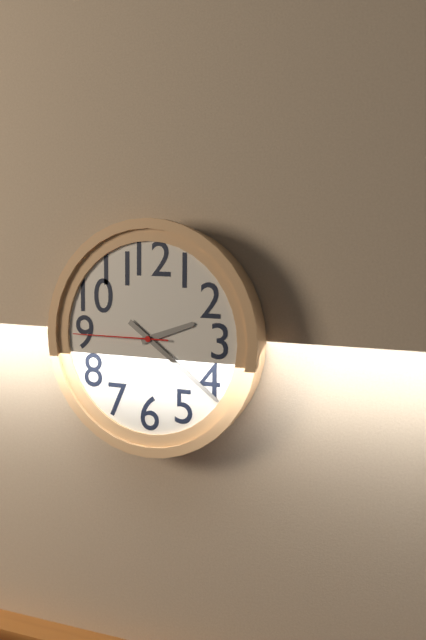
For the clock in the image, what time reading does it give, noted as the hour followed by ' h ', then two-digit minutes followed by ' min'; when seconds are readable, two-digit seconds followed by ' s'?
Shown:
2 h 21 min 45 s
